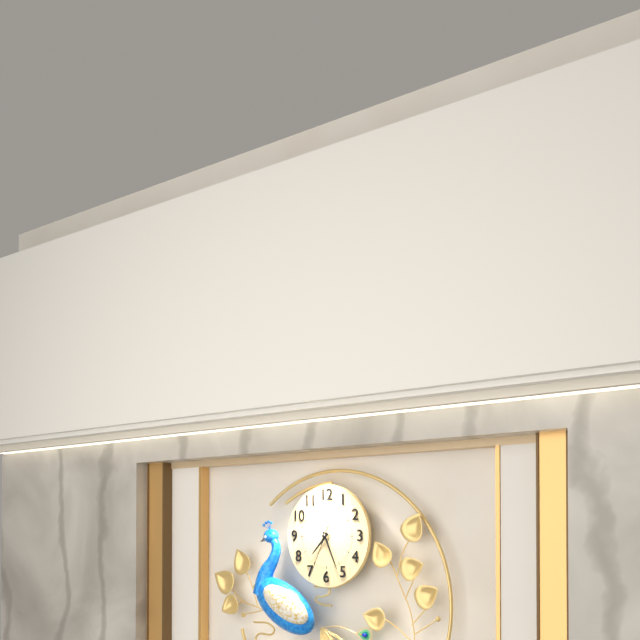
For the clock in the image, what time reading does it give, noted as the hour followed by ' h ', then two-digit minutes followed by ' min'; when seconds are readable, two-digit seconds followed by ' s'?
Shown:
7 h 26 min
